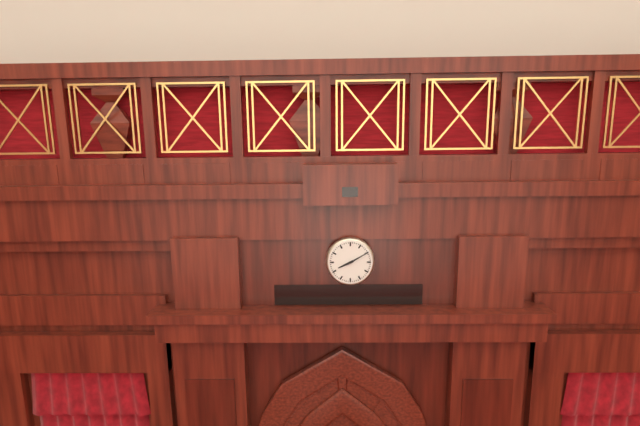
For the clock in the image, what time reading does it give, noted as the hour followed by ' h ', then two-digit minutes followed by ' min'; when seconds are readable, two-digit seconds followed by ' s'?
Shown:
8 h 10 min
